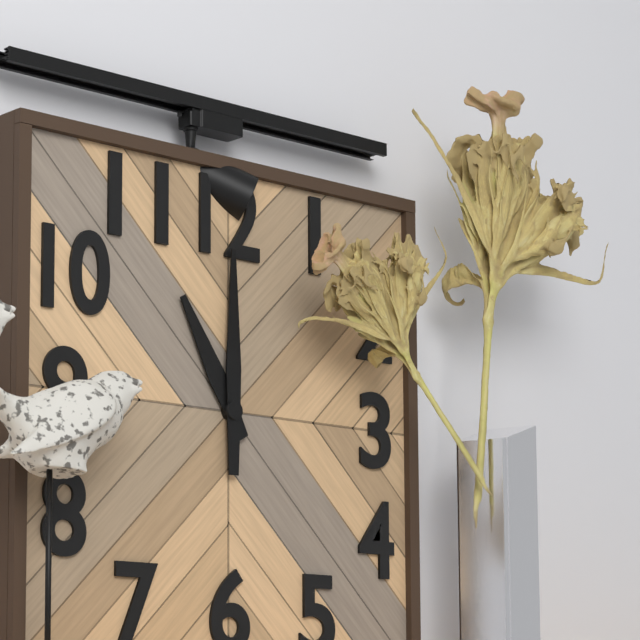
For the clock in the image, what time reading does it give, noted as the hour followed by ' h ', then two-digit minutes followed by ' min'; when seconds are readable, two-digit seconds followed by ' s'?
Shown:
11 h 00 min
